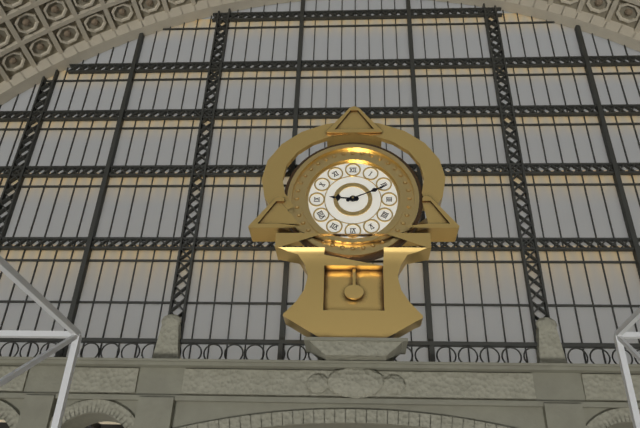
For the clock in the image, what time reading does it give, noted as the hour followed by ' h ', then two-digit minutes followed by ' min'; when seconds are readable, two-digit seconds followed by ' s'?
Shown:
9 h 11 min
